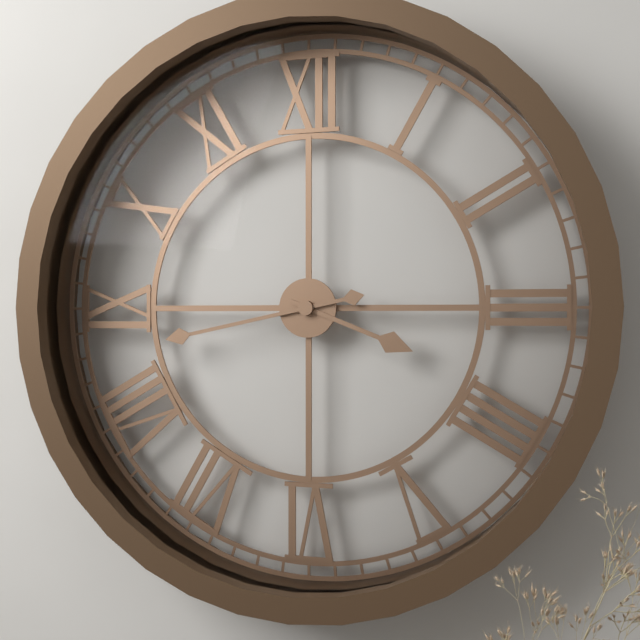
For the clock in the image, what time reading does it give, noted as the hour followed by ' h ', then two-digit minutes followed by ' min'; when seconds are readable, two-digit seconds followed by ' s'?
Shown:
3 h 43 min
